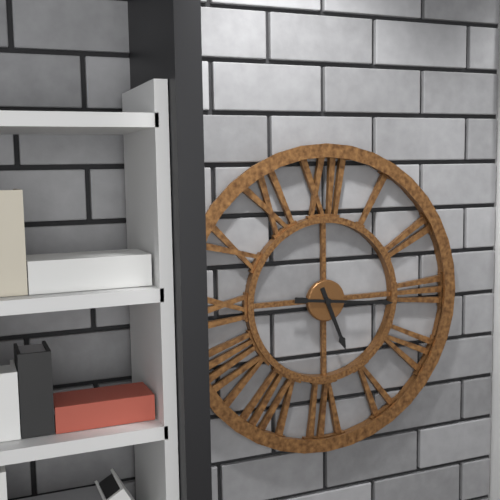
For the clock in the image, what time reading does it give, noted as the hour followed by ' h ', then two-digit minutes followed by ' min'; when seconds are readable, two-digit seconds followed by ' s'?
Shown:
5 h 16 min
